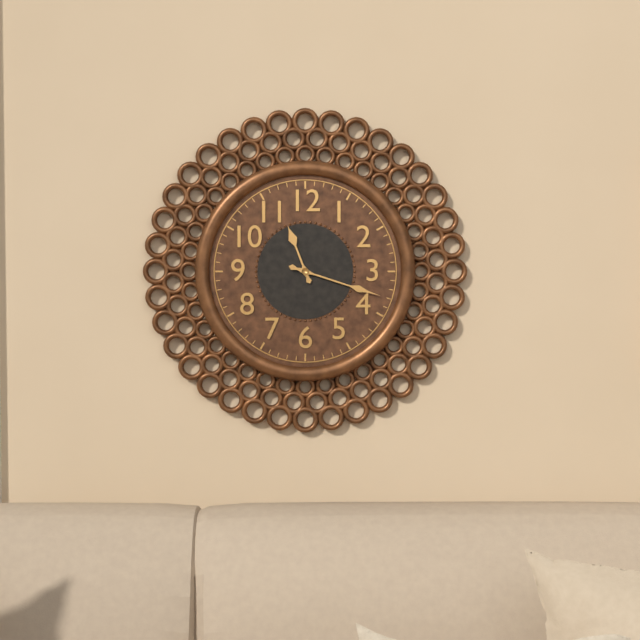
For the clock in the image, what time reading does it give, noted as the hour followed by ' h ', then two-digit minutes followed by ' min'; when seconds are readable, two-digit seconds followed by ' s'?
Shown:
11 h 18 min
